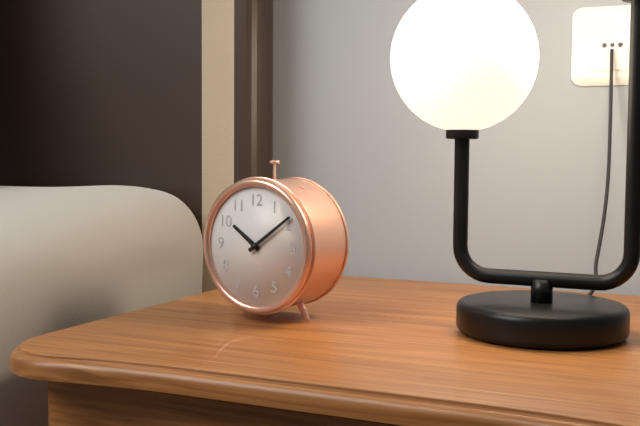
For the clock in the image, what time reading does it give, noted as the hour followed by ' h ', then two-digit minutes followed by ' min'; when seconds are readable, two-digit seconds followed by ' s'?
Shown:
10 h 09 min
